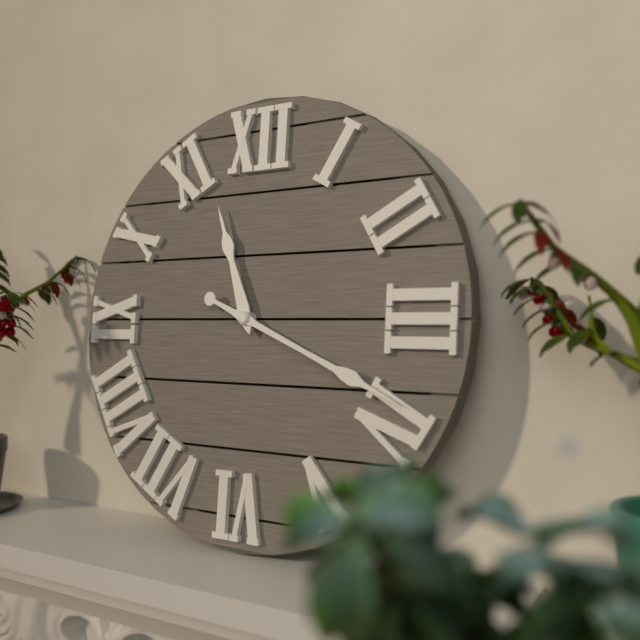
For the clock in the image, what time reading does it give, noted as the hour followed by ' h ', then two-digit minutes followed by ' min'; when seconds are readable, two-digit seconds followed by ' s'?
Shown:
11 h 19 min
